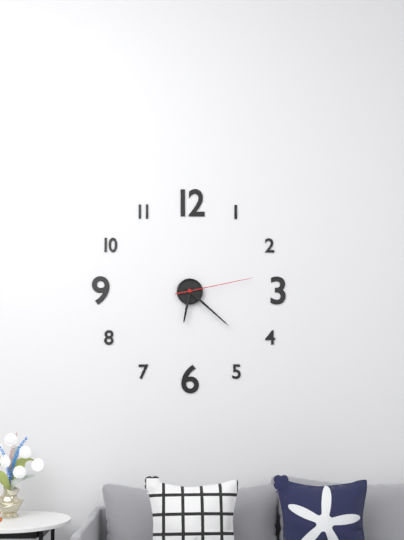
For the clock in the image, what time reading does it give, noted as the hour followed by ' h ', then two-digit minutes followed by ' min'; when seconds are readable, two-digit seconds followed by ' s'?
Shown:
6 h 22 min 13 s
